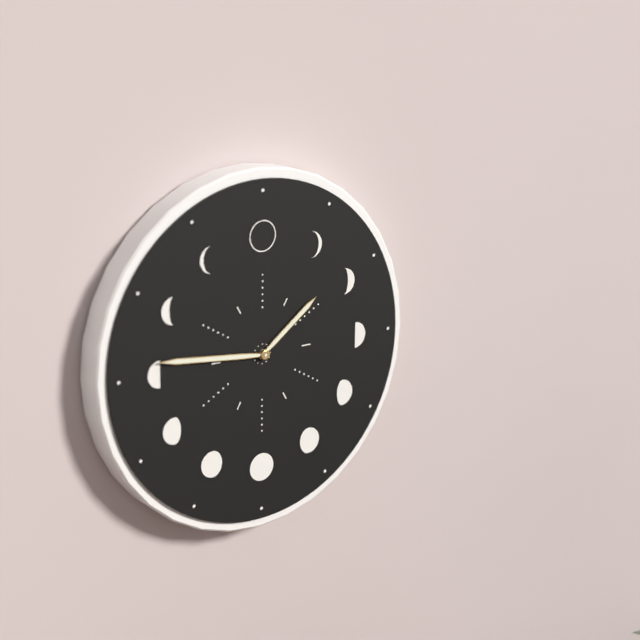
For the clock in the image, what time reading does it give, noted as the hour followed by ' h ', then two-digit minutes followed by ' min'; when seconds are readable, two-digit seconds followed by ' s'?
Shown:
1 h 46 min
